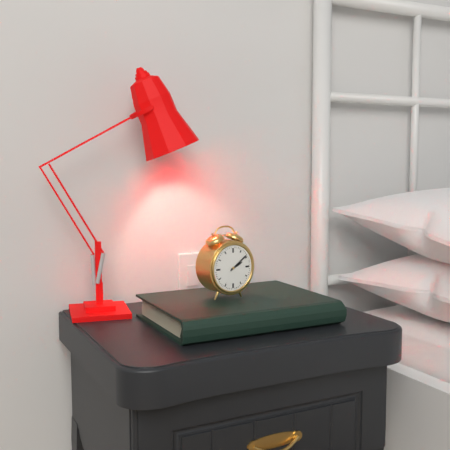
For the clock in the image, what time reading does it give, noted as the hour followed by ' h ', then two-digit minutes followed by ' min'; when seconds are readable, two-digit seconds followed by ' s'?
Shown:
2 h 09 min
